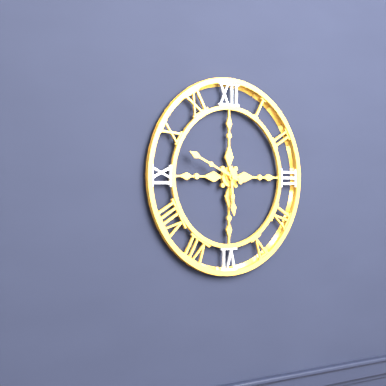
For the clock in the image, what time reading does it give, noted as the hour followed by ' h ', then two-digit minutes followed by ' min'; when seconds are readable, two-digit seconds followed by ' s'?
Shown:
5 h 49 min
